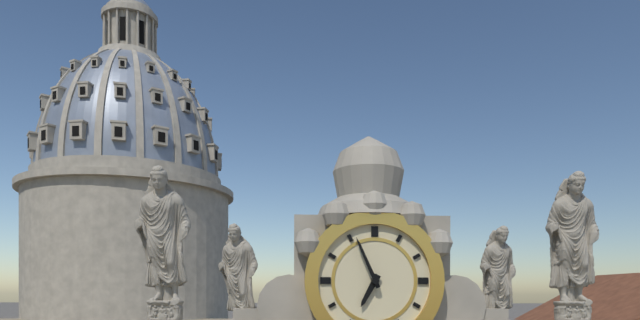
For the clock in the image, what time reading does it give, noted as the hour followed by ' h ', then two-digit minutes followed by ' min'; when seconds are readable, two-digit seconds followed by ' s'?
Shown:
6 h 56 min
